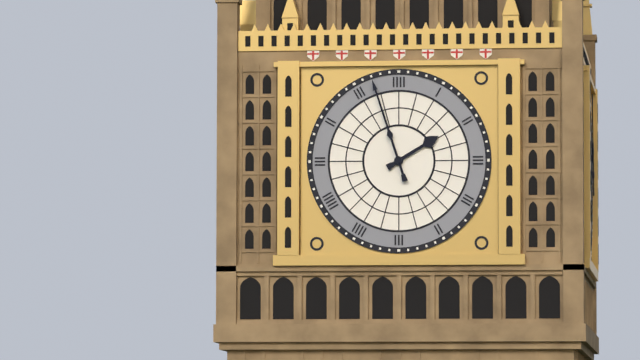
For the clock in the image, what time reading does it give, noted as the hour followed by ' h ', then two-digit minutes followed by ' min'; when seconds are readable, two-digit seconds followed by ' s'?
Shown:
1 h 57 min
